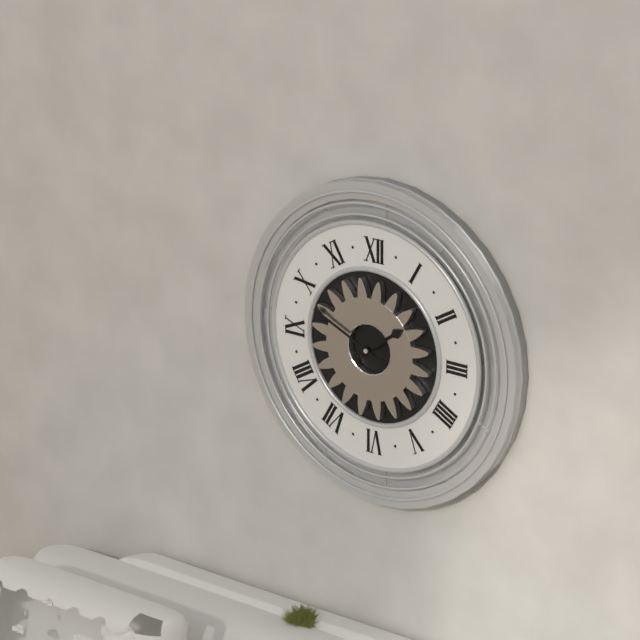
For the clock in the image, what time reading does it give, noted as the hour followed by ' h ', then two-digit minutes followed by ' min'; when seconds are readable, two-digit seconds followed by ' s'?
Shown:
1 h 49 min
